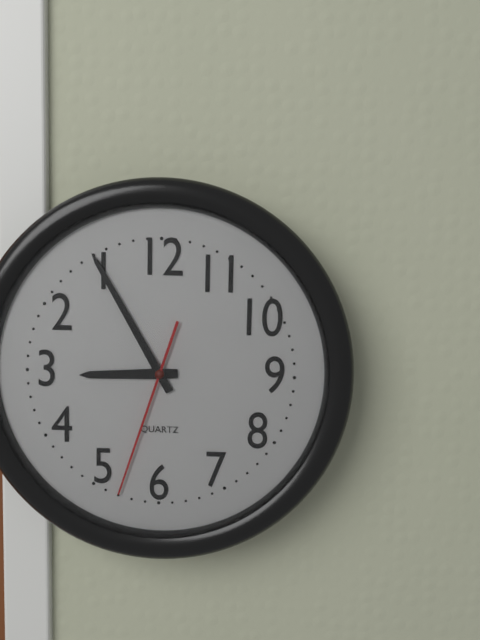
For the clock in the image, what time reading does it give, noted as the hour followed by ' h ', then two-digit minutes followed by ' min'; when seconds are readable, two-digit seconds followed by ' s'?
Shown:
8 h 55 min 33 s
